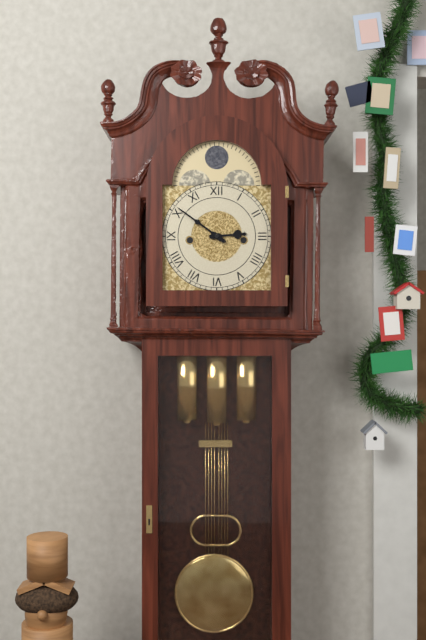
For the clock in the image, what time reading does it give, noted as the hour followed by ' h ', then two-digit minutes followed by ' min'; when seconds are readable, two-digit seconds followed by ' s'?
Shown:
2 h 51 min
